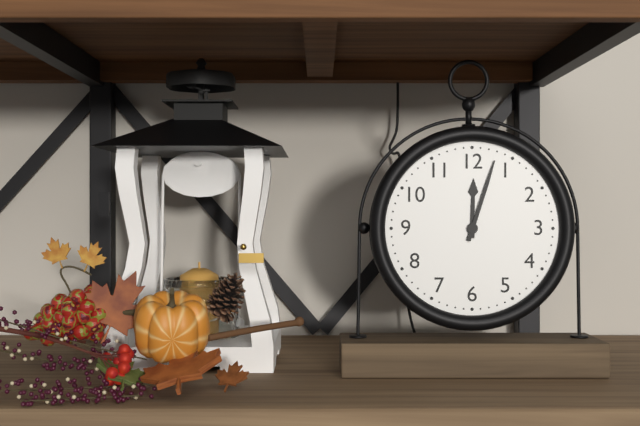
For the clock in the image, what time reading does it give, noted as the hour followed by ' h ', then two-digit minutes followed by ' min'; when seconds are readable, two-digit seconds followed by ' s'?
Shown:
12 h 03 min
